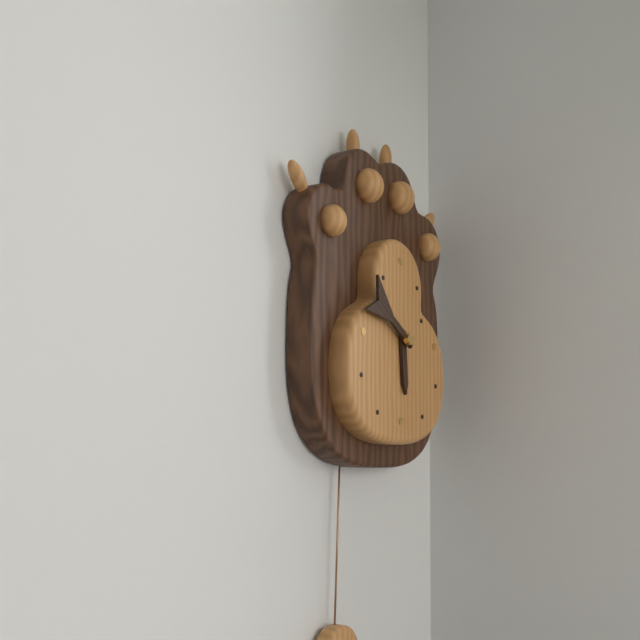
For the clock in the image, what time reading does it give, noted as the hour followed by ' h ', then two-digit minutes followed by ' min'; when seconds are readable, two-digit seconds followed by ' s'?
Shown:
5 h 50 min
